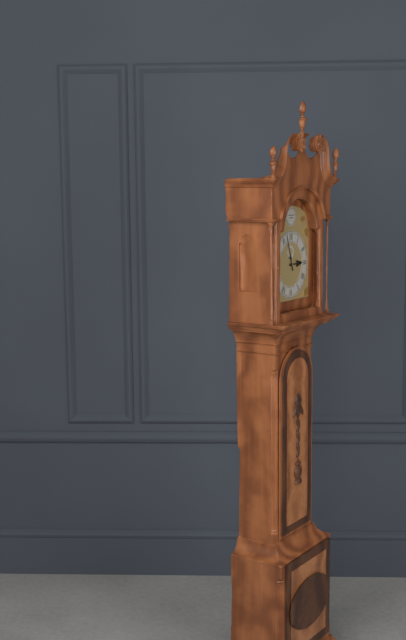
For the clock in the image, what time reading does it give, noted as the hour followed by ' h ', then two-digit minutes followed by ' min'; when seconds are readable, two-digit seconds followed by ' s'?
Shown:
2 h 57 min
